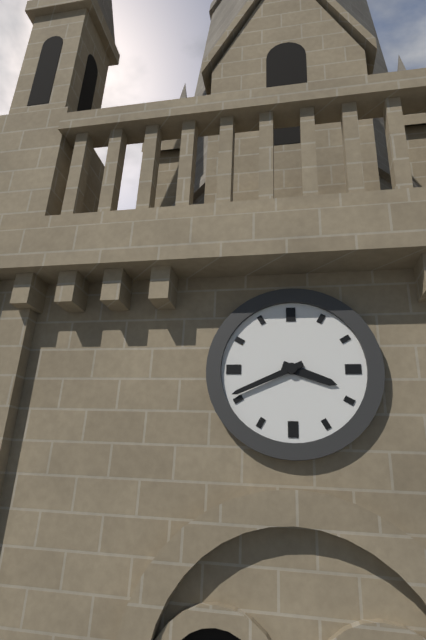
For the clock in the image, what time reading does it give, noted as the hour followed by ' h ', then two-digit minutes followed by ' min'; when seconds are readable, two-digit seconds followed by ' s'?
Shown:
3 h 41 min
